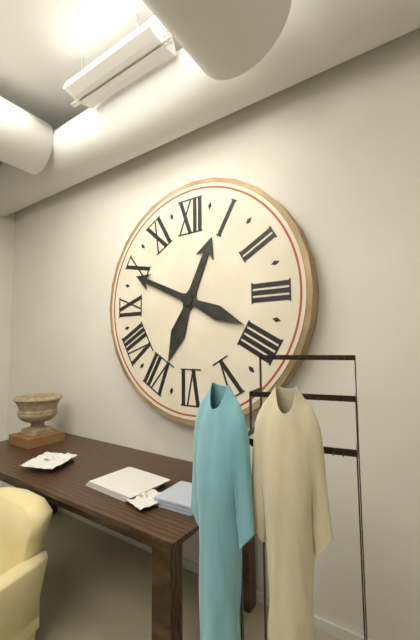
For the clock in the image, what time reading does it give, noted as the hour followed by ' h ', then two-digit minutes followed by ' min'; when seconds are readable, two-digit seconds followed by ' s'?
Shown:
12 h 49 min
